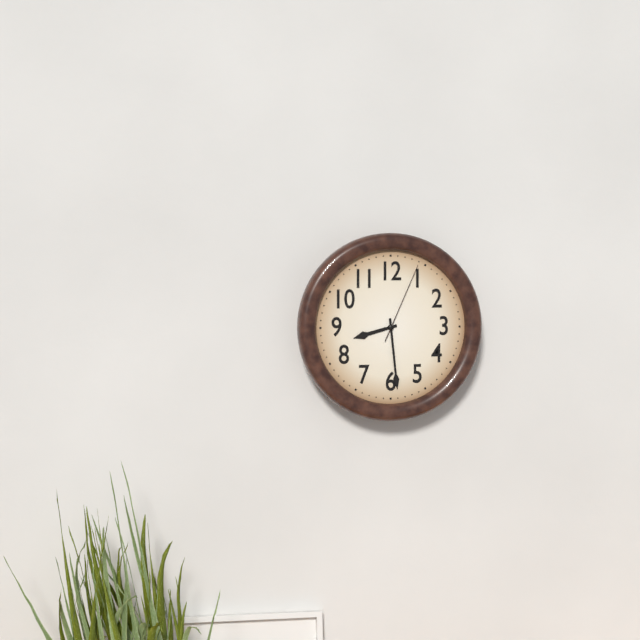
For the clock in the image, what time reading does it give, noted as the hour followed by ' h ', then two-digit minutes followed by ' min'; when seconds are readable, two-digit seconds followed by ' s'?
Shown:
8 h 29 min 04 s
